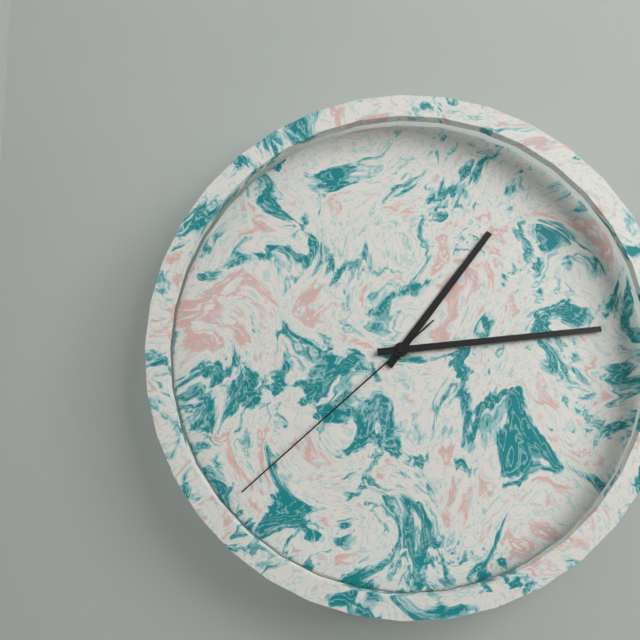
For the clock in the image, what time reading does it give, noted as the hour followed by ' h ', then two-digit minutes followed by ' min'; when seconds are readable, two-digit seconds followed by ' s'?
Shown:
1 h 14 min 38 s
